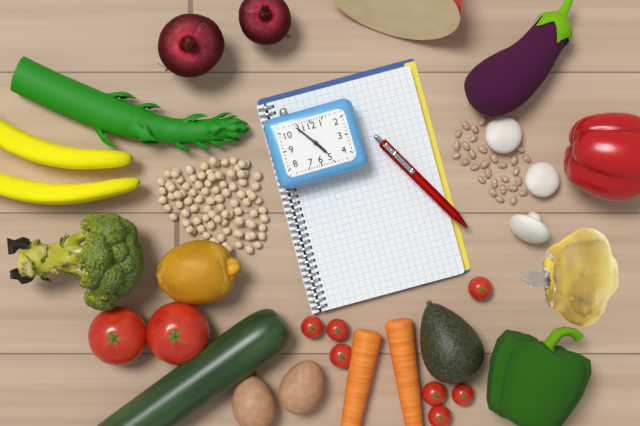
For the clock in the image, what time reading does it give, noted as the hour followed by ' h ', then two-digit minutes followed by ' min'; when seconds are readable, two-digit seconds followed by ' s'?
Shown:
4 h 54 min
